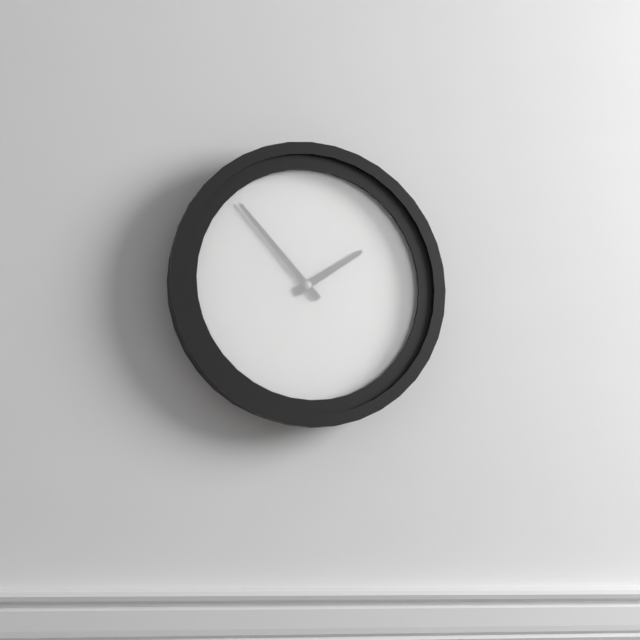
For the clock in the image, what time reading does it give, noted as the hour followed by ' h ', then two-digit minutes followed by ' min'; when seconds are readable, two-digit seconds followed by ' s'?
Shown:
1 h 53 min
